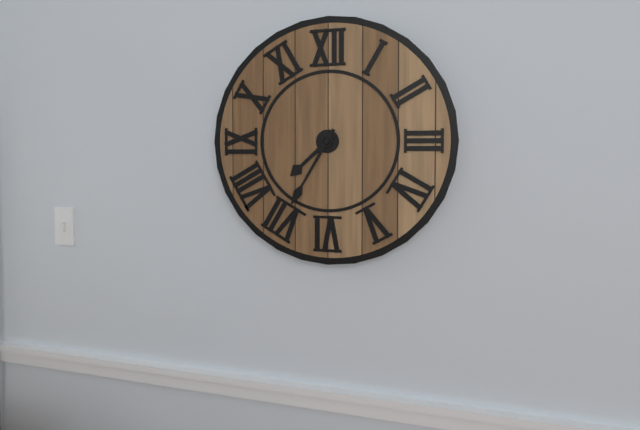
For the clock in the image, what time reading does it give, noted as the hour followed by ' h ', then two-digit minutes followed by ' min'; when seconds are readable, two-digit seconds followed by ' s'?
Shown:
7 h 35 min
